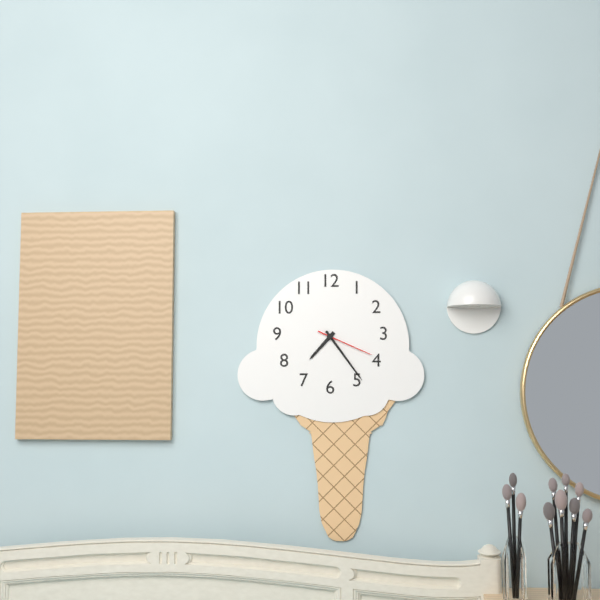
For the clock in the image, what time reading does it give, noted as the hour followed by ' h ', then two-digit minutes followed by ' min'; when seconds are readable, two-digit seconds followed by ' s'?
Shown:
7 h 24 min 19 s
